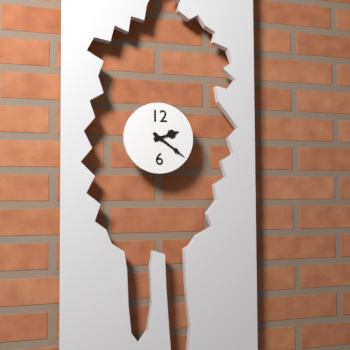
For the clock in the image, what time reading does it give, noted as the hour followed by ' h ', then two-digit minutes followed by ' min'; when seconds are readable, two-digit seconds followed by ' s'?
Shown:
2 h 21 min
